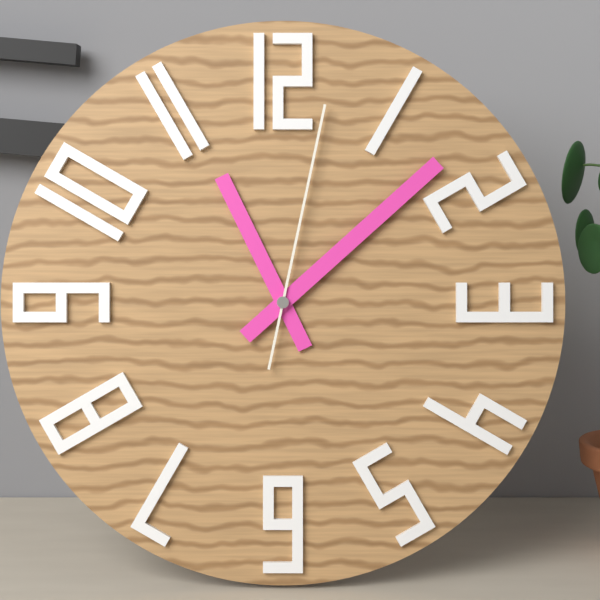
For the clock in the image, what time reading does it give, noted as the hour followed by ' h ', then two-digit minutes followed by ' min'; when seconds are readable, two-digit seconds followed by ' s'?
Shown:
11 h 08 min 02 s
